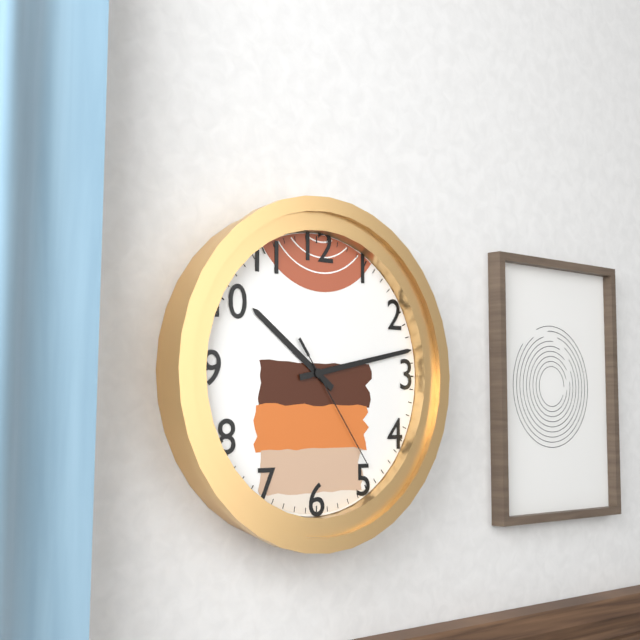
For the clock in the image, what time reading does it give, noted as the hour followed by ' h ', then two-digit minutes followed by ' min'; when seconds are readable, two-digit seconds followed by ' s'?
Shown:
10 h 13 min 24 s
